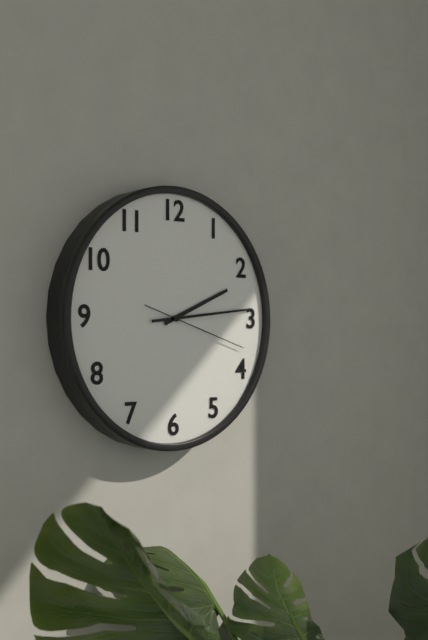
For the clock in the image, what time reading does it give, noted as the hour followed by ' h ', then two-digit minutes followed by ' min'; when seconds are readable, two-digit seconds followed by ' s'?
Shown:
2 h 14 min 18 s
